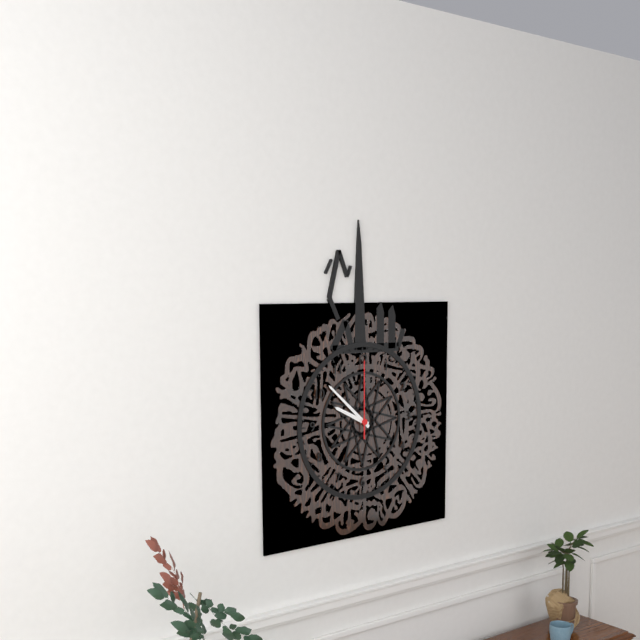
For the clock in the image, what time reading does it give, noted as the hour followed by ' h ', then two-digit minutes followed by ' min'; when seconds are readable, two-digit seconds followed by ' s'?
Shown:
9 h 52 min 00 s
